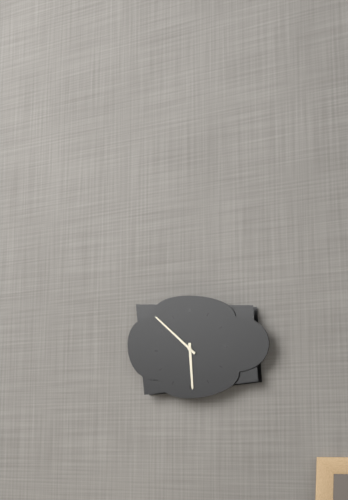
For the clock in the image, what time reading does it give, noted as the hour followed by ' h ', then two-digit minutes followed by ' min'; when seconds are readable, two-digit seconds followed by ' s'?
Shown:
5 h 52 min
